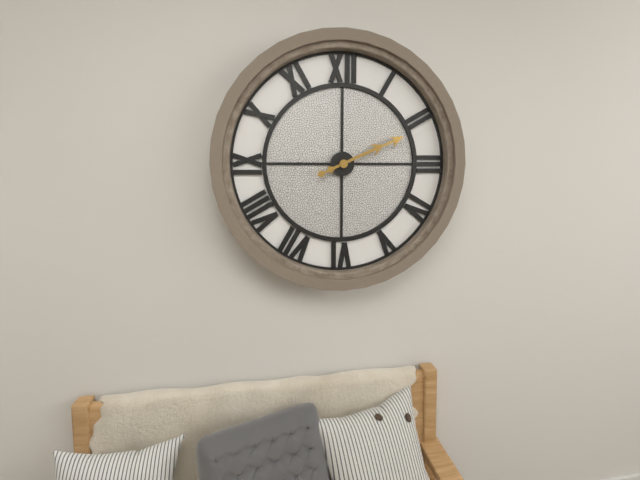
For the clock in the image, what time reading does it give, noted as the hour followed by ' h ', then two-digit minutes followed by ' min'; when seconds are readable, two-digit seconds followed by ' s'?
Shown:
2 h 11 min
